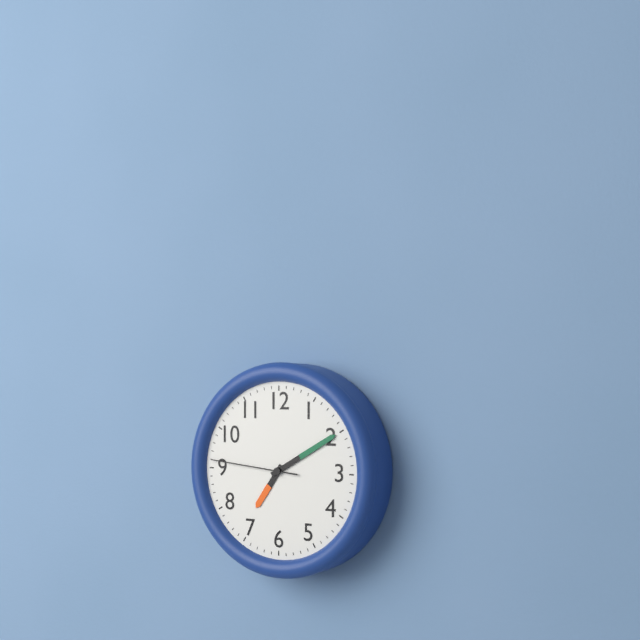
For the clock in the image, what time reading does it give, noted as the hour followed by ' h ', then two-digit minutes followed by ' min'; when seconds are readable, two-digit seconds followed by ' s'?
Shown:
7 h 10 min 46 s
